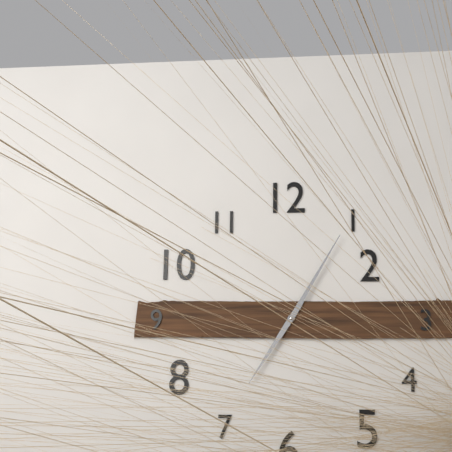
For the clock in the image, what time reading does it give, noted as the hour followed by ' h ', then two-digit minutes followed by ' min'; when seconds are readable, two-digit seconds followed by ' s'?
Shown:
7 h 05 min
